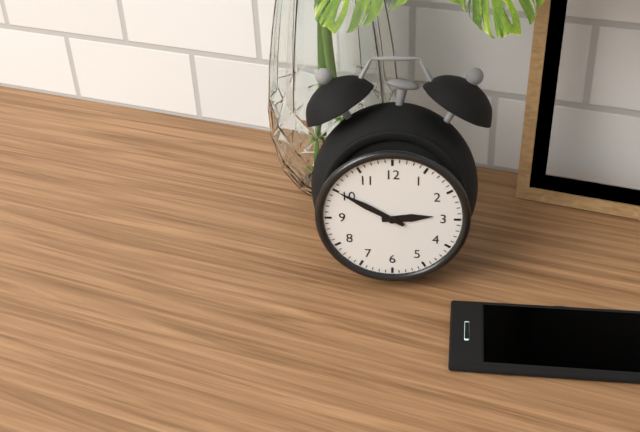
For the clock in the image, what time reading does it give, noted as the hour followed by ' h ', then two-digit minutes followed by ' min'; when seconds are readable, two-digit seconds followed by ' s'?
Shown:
2 h 50 min
